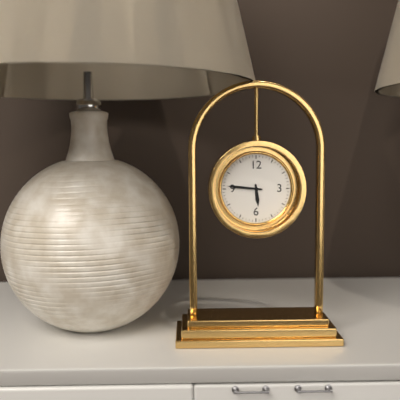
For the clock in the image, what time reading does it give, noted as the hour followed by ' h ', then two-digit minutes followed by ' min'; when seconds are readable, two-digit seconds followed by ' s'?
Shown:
5 h 46 min
